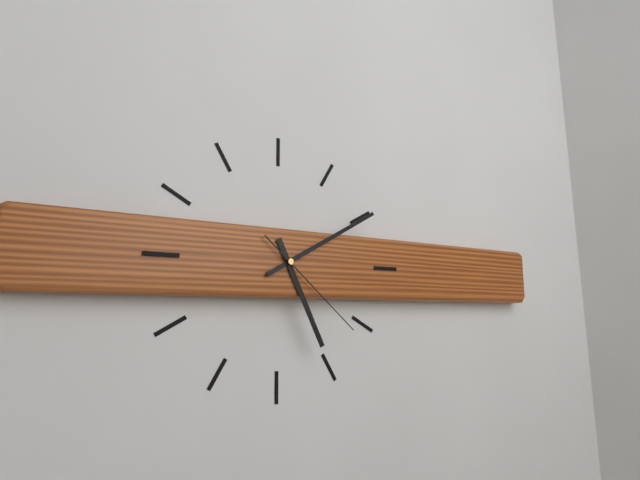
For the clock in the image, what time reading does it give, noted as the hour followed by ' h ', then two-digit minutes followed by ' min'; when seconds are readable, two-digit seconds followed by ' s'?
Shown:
5 h 10 min 22 s
